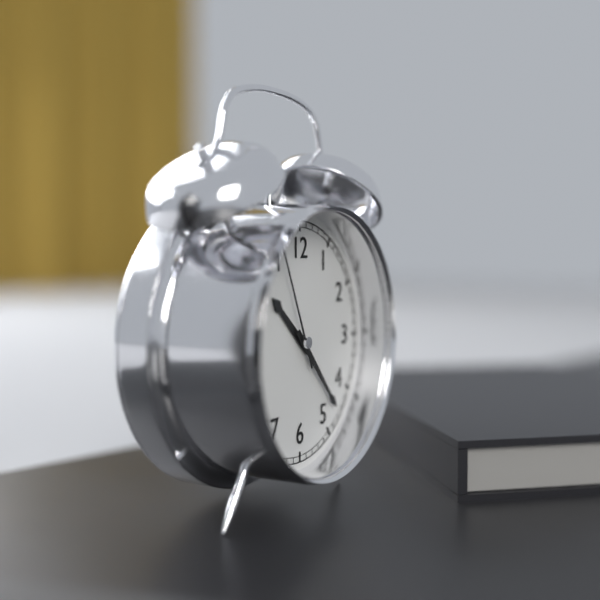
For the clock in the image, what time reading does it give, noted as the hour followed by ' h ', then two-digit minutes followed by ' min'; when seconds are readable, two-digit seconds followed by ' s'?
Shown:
10 h 23 min 56 s
